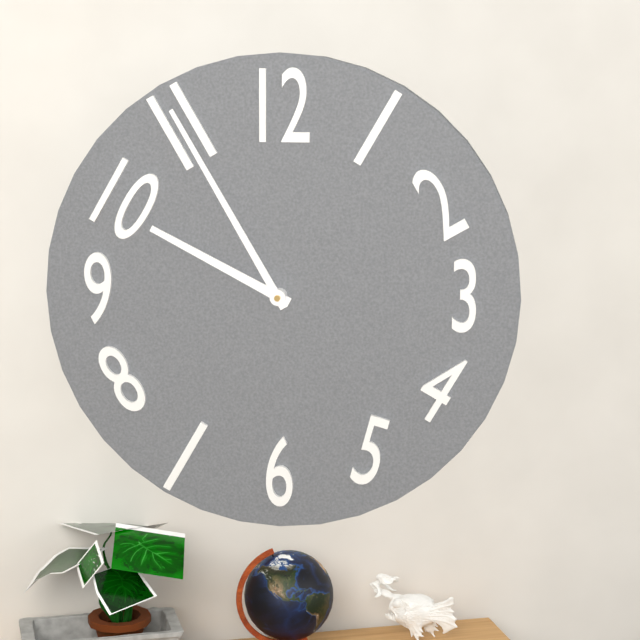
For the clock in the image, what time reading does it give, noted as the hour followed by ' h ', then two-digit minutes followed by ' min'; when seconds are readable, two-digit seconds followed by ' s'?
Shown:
9 h 55 min
